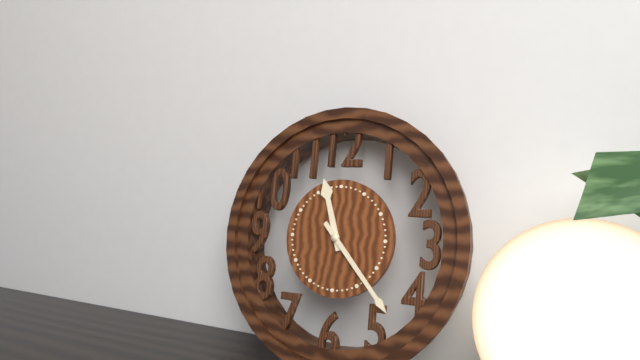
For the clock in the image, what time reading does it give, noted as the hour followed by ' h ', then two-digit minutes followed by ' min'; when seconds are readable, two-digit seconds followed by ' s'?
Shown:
11 h 23 min
